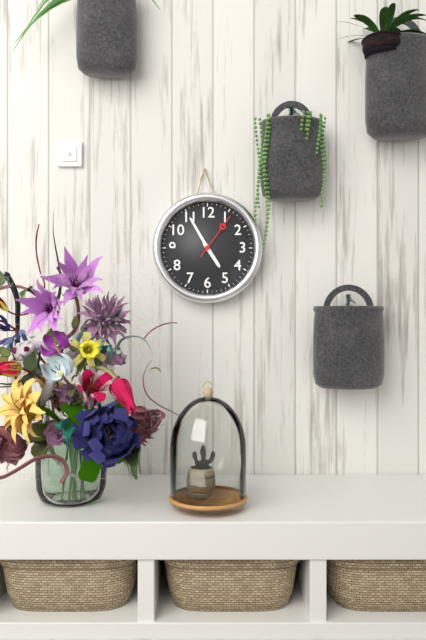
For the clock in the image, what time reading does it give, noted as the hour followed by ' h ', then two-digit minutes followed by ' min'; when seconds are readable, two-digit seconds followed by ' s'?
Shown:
4 h 55 min 06 s
